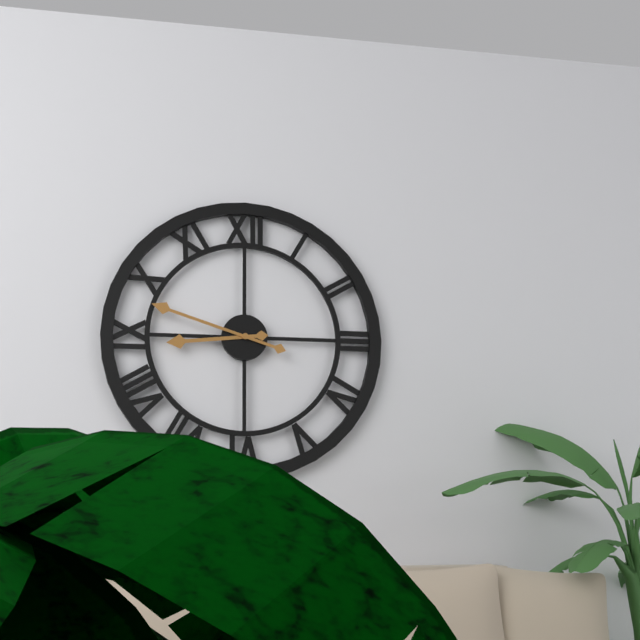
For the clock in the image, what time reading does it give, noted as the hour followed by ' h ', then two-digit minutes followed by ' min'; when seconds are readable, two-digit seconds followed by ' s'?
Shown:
8 h 48 min
